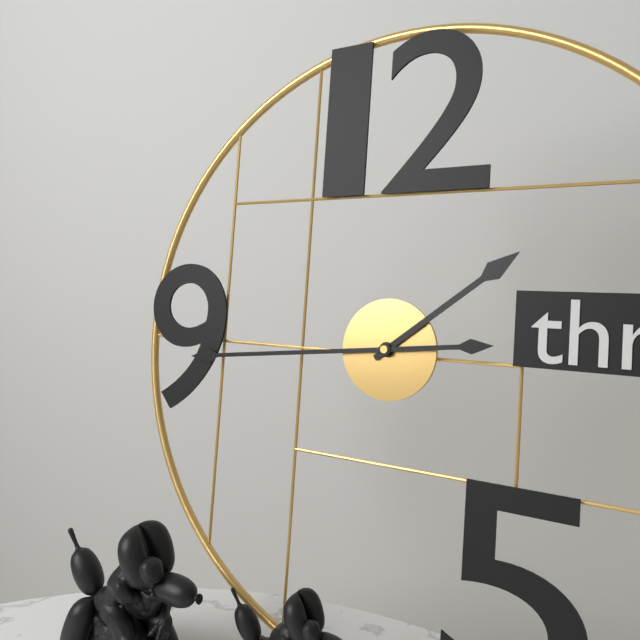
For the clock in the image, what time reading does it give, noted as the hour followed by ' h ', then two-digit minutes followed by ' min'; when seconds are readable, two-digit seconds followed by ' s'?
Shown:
1 h 44 min
